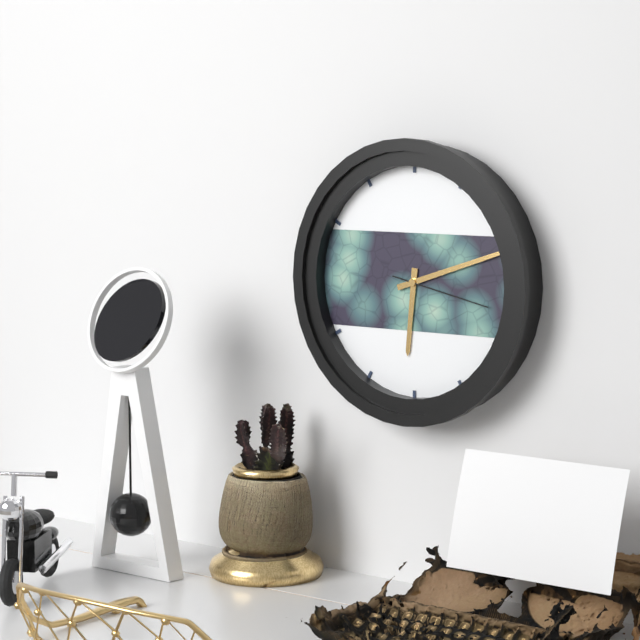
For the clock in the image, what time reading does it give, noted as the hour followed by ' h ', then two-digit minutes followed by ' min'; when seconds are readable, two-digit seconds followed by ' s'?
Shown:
6 h 12 min 17 s
